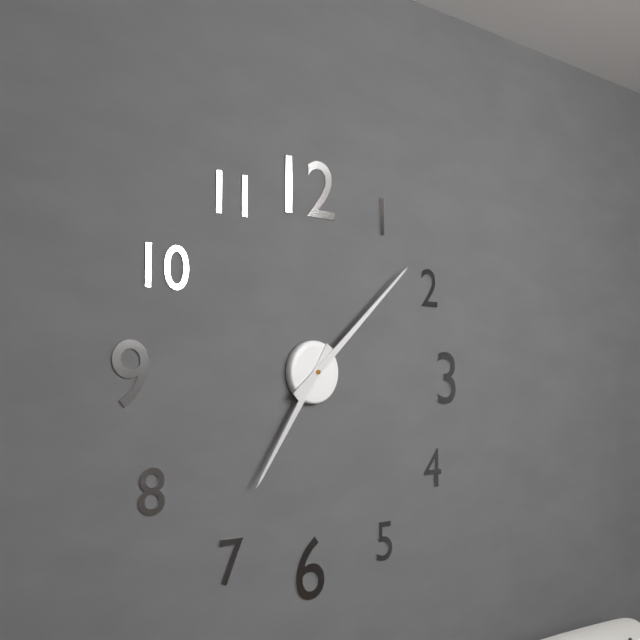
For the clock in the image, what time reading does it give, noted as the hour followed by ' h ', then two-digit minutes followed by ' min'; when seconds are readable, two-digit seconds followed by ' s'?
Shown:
7 h 08 min
